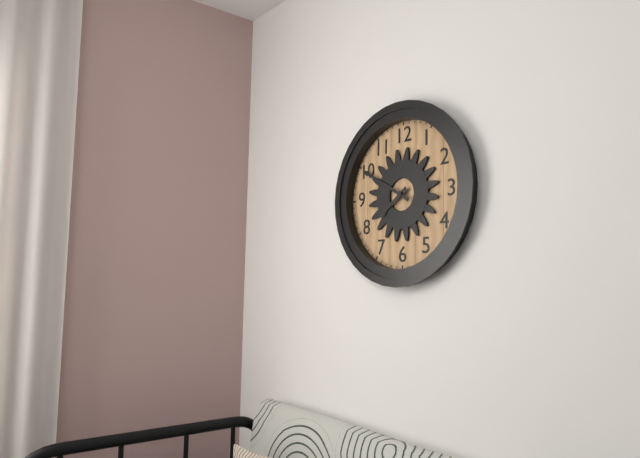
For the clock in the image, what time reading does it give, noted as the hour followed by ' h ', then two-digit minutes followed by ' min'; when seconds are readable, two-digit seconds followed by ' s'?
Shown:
7 h 50 min
